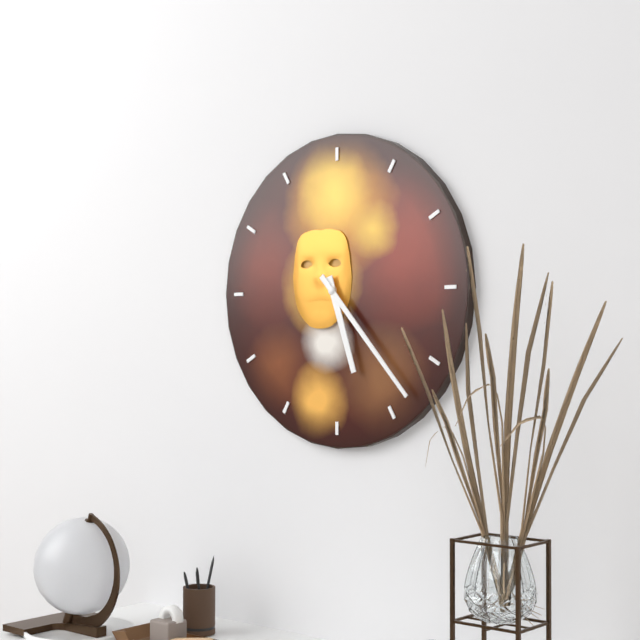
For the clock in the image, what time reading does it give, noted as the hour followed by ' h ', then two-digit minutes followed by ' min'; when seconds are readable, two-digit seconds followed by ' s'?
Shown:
5 h 23 min
